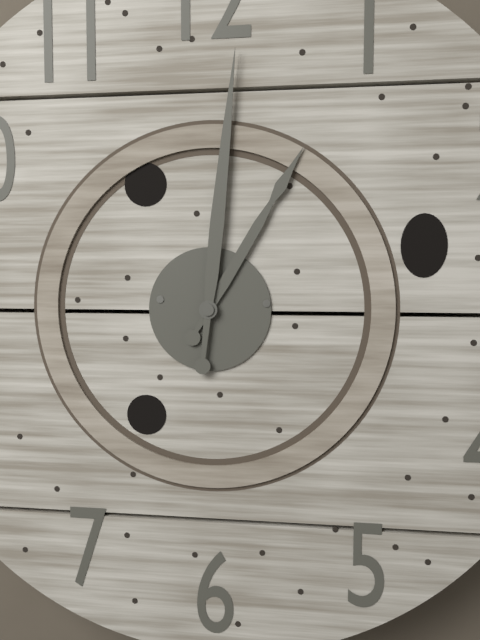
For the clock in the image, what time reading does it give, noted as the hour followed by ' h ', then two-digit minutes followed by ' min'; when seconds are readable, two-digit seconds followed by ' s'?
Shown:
1 h 01 min
